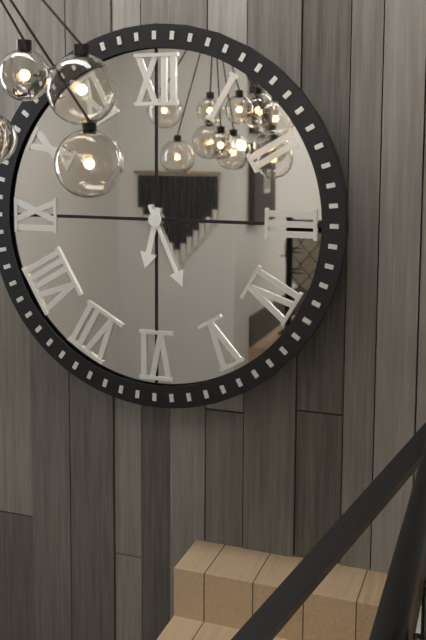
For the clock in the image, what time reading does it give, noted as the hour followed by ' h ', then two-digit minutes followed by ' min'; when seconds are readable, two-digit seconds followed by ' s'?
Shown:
6 h 26 min
